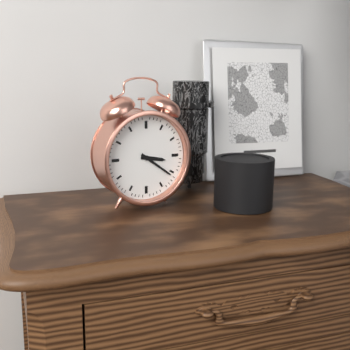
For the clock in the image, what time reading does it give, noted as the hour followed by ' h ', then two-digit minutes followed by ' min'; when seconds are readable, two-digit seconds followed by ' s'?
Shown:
3 h 21 min
